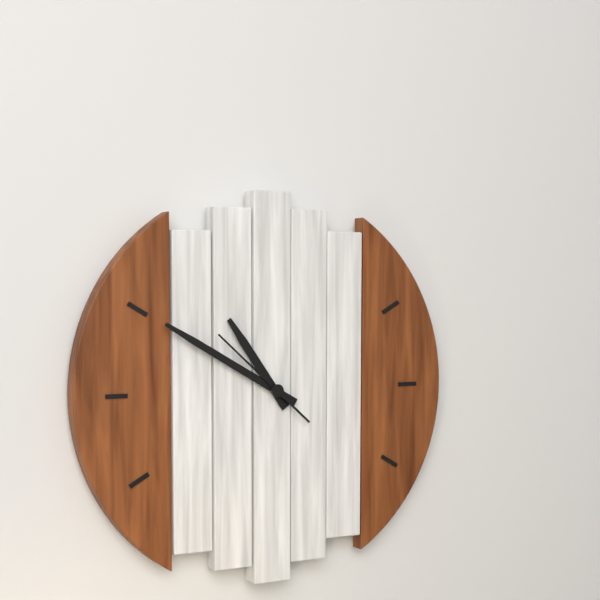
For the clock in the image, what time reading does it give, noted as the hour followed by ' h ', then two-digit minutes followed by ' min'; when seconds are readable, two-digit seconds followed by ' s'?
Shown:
10 h 50 min 52 s
